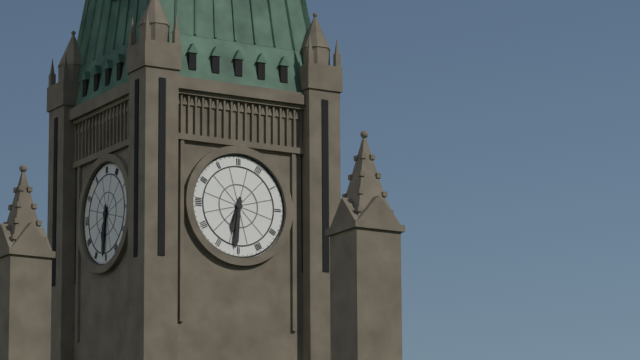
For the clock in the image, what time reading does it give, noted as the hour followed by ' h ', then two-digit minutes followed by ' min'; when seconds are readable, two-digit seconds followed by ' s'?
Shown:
6 h 31 min
